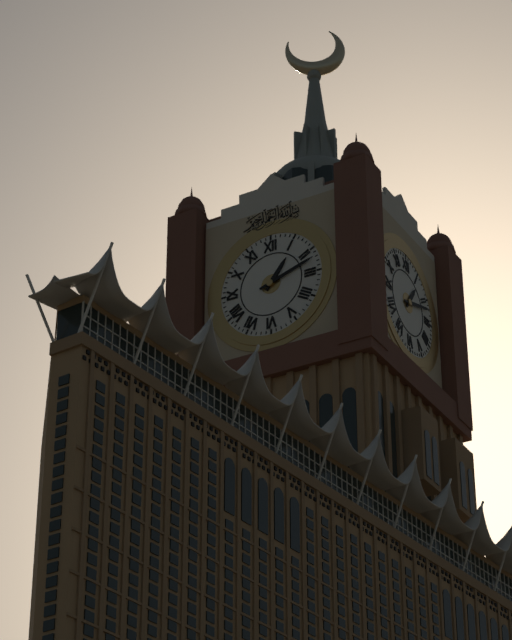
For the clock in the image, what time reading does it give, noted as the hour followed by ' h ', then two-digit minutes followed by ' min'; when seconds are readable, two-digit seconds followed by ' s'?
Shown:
1 h 12 min
